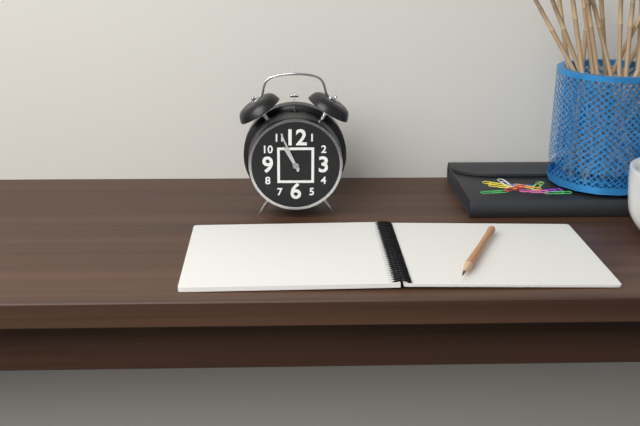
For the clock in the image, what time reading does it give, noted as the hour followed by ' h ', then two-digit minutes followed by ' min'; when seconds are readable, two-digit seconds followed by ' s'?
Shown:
10 h 56 min
